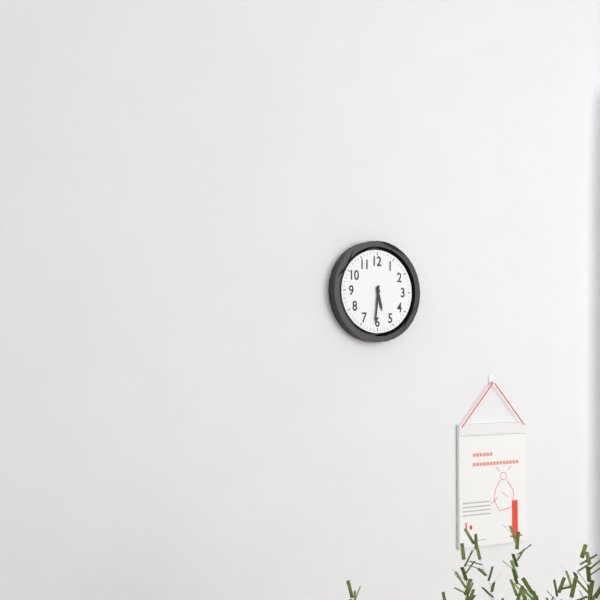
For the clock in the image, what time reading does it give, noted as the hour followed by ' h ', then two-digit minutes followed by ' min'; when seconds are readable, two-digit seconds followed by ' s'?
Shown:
5 h 31 min
